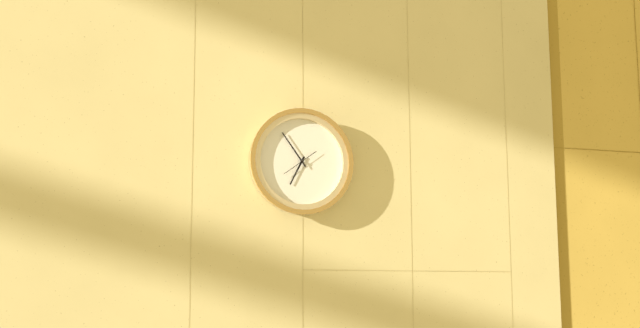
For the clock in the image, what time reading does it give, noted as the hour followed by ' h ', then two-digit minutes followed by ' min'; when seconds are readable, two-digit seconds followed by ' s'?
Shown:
6 h 54 min
